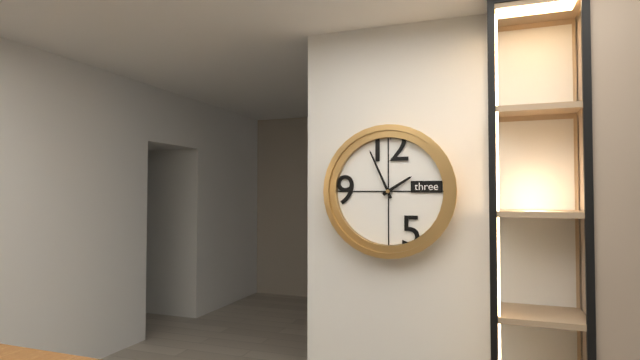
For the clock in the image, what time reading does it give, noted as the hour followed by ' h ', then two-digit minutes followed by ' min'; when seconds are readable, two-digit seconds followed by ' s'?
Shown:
1 h 56 min
